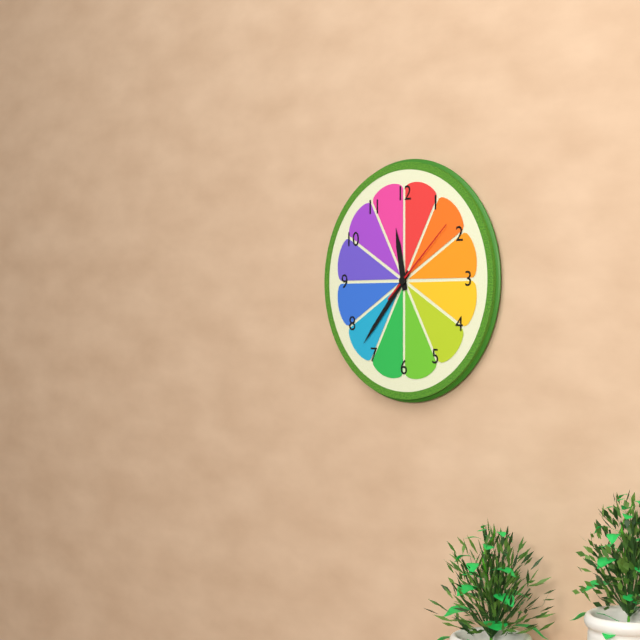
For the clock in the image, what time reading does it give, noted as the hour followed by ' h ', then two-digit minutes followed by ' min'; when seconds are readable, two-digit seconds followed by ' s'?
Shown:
11 h 37 min 08 s
